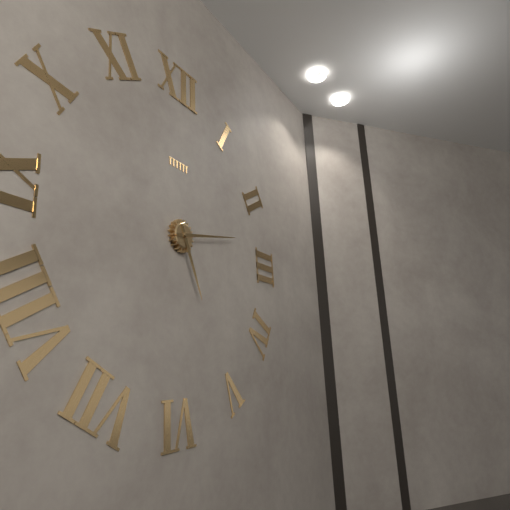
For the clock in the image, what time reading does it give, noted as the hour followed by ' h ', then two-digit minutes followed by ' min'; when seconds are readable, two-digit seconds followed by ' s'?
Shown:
5 h 13 min
